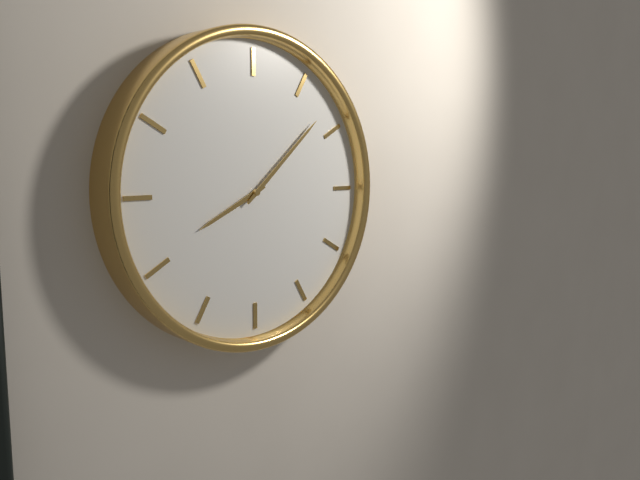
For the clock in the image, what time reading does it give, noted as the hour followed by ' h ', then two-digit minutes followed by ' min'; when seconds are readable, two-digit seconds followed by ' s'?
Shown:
8 h 08 min
